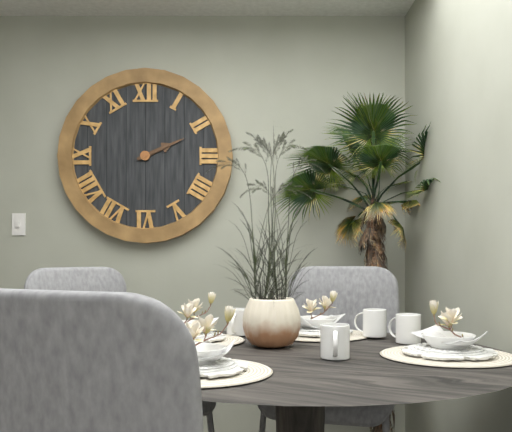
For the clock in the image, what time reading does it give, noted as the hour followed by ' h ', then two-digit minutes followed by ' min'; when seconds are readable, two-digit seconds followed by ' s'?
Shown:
2 h 11 min
